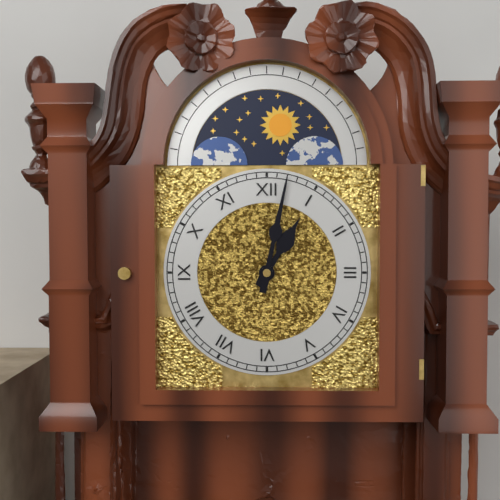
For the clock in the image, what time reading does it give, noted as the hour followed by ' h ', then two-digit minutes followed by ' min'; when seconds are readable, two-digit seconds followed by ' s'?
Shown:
1 h 02 min
